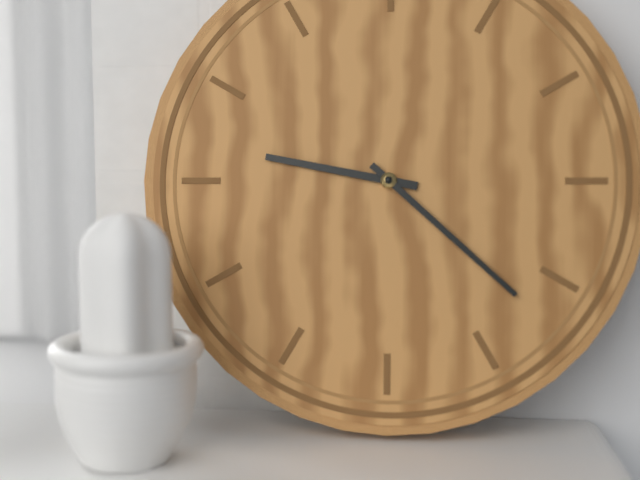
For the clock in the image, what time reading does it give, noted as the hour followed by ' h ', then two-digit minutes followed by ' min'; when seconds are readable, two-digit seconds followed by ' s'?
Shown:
9 h 22 min
